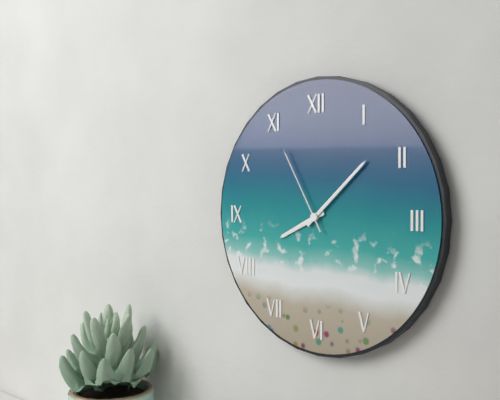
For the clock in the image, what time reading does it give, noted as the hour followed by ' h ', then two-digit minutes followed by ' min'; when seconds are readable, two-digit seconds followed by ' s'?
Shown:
8 h 08 min 55 s
